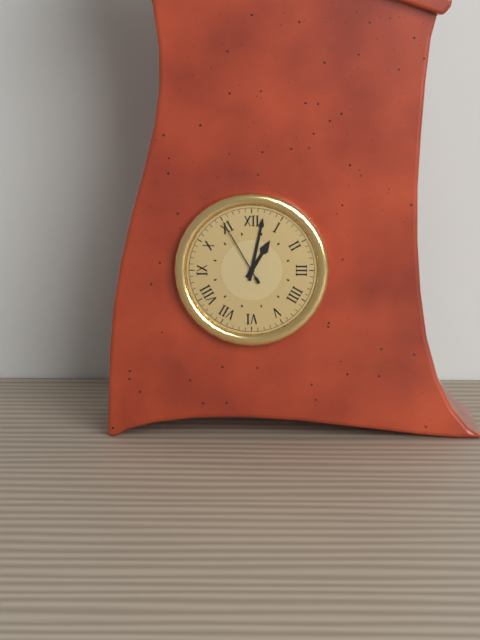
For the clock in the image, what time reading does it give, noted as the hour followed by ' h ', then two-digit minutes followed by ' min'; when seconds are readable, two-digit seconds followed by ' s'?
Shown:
1 h 02 min 55 s
